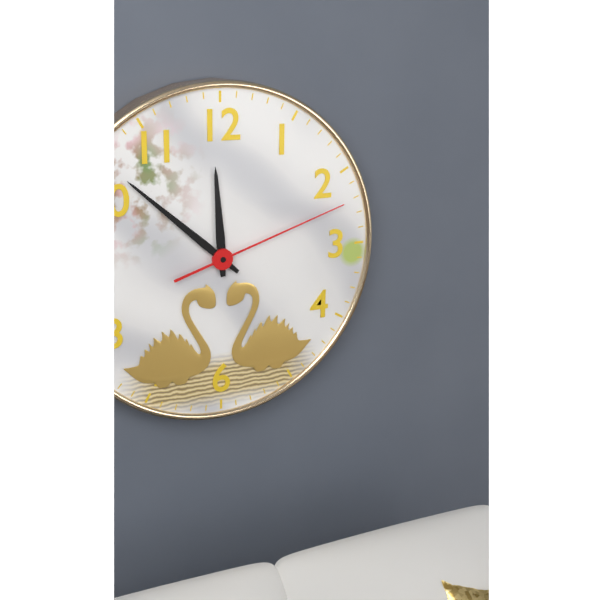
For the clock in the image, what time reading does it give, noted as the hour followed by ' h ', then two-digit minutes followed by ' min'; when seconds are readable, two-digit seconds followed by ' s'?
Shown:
11 h 52 min 12 s
